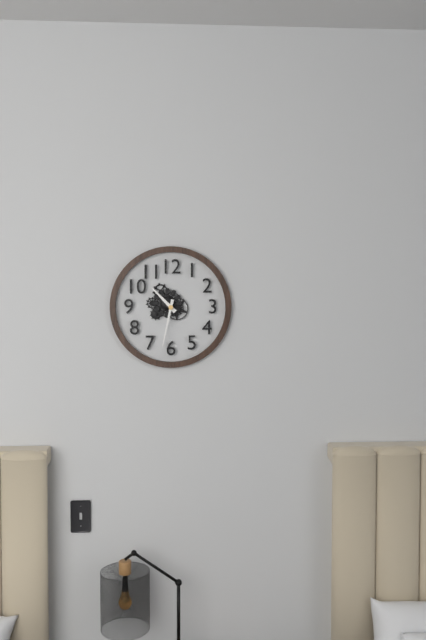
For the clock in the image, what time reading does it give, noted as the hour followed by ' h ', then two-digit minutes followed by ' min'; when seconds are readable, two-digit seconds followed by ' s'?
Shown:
10 h 32 min
